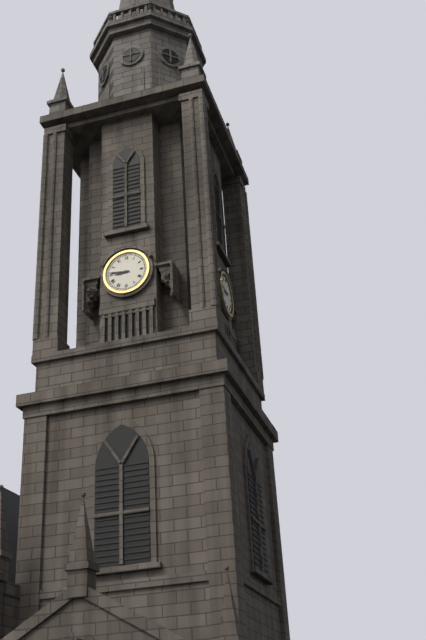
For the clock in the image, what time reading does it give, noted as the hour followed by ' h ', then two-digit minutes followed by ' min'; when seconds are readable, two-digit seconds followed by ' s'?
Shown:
8 h 46 min
